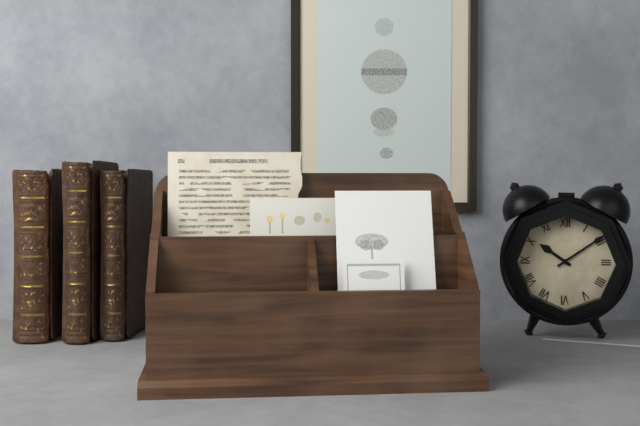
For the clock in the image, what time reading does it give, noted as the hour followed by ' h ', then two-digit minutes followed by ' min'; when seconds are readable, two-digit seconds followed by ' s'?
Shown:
10 h 09 min
